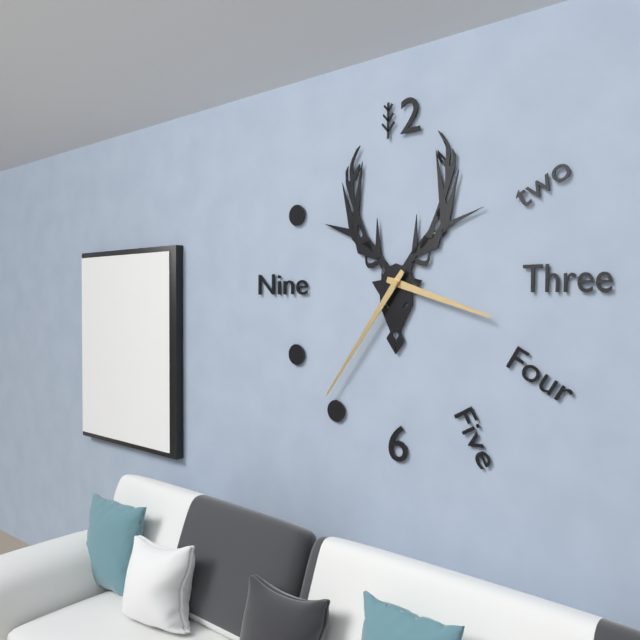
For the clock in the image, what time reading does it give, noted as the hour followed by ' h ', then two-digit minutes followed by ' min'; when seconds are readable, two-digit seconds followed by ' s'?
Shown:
3 h 36 min
